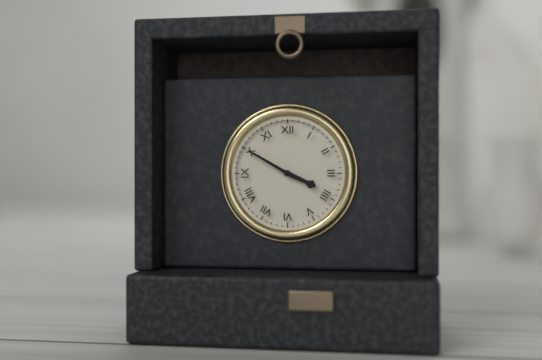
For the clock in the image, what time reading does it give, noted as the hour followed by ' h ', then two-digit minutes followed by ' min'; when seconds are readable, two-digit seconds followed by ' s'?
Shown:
3 h 50 min
